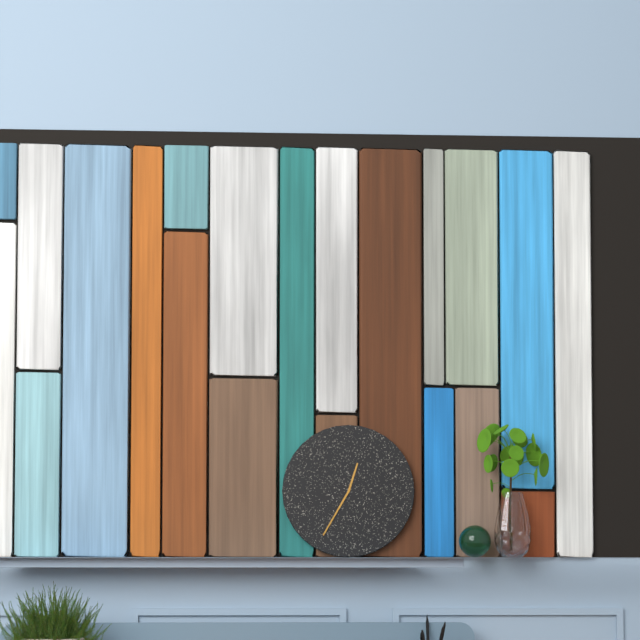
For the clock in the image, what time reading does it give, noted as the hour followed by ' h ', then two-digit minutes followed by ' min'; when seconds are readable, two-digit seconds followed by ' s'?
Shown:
12 h 35 min
